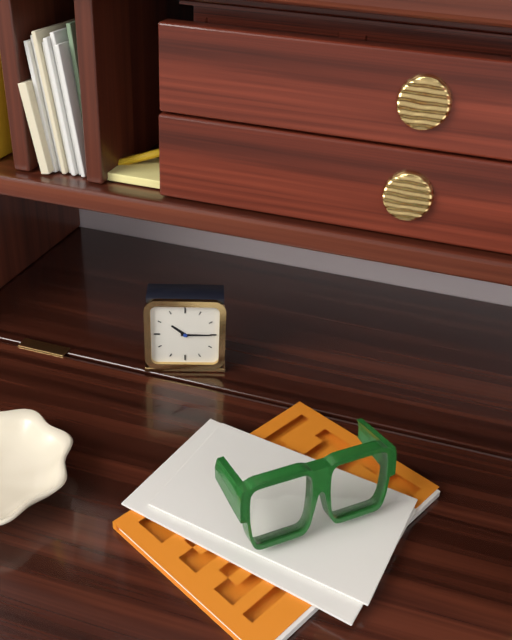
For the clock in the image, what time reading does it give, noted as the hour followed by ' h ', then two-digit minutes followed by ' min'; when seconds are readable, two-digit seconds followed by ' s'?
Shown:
10 h 15 min
